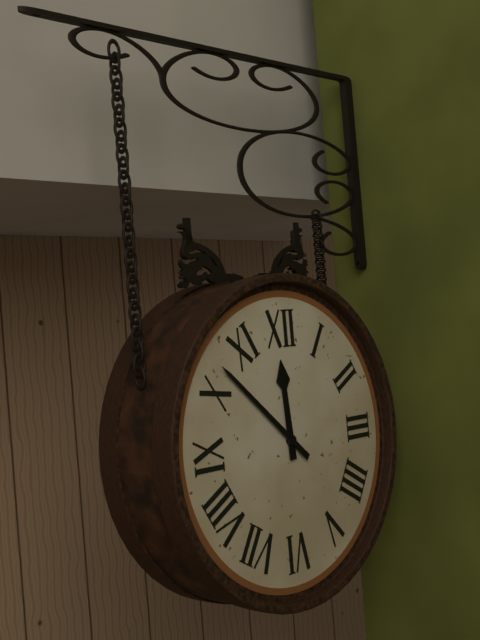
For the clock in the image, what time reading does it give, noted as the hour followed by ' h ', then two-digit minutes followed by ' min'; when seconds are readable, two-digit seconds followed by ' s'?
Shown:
11 h 52 min
